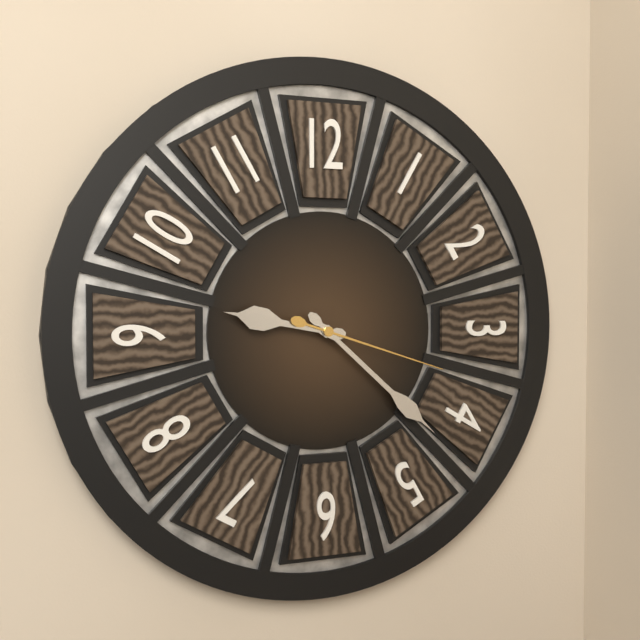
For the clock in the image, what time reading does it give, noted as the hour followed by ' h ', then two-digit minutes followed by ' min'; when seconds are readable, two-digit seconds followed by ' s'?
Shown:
9 h 22 min 18 s
